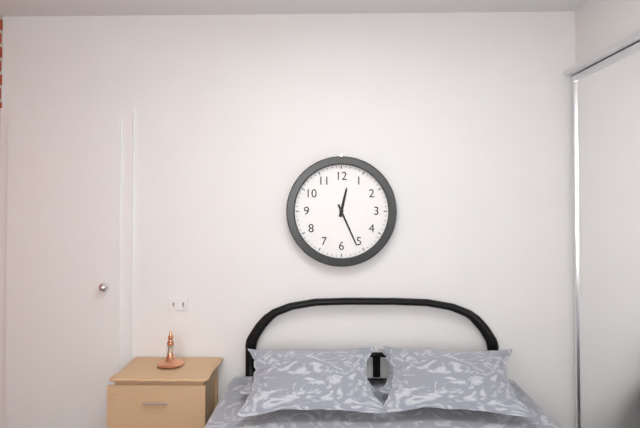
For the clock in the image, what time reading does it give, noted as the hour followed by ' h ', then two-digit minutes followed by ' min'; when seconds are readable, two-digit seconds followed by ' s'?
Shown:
12 h 26 min
